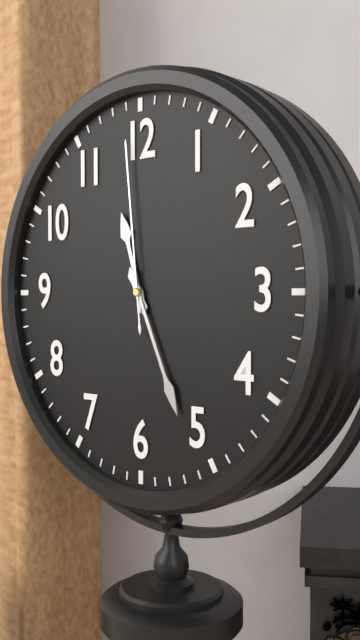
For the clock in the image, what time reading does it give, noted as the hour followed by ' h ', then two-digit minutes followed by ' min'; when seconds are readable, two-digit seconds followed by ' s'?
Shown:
11 h 26 min 59 s
